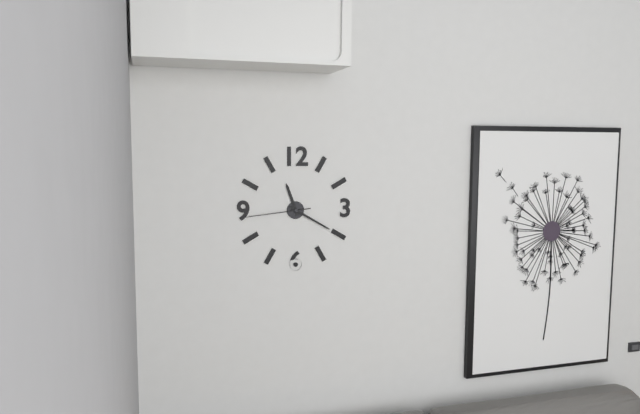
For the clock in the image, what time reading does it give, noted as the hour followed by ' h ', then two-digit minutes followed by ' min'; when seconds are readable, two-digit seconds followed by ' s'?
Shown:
11 h 20 min 44 s
